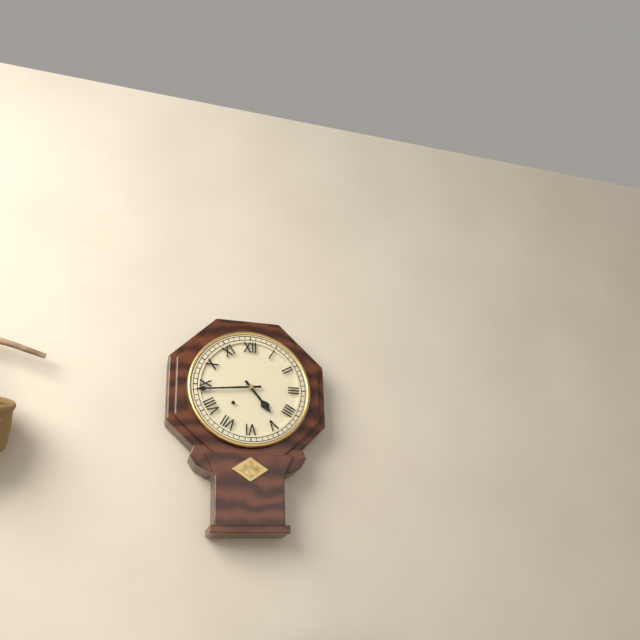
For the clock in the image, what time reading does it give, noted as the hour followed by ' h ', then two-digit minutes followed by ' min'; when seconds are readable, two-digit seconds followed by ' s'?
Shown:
4 h 44 min
